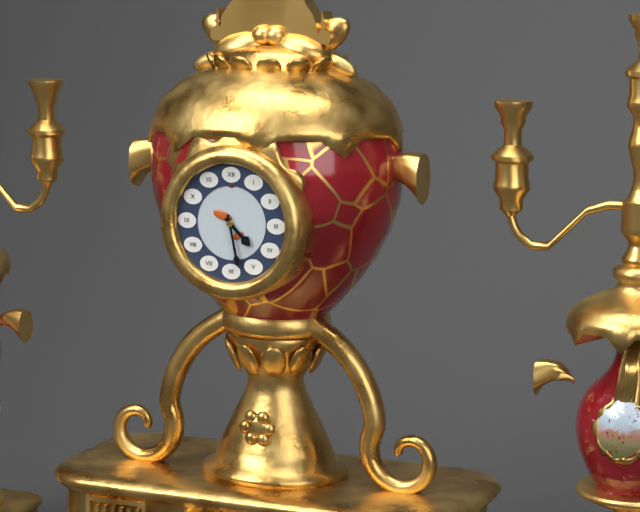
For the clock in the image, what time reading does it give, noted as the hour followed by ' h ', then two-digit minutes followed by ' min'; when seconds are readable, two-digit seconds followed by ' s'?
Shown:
4 h 28 min
